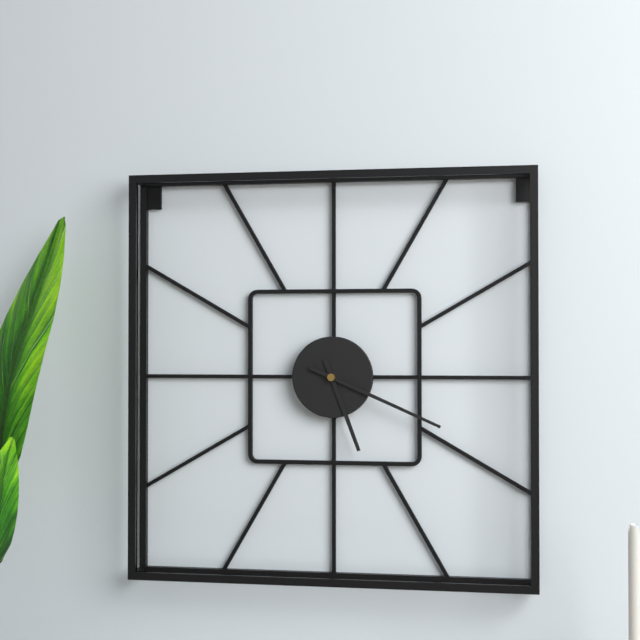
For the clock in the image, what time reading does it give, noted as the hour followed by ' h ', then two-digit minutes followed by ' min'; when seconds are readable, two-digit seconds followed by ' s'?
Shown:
5 h 19 min
